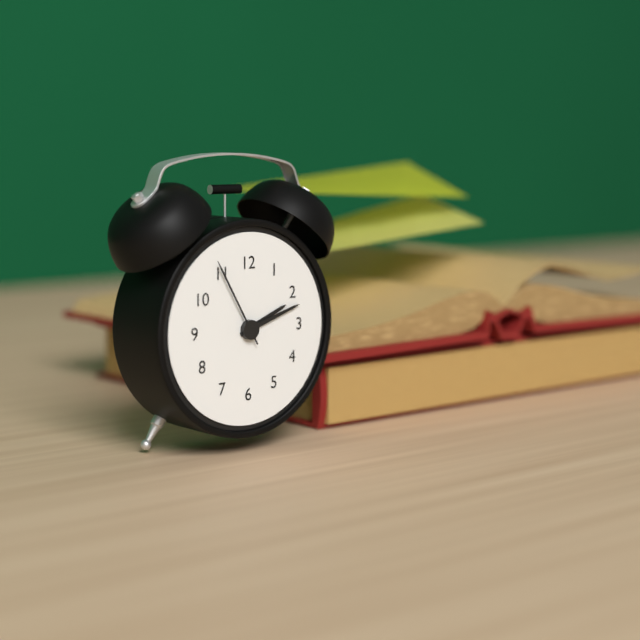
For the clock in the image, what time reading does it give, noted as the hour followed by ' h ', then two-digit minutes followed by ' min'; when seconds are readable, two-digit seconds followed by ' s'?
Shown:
2 h 12 min 55 s
